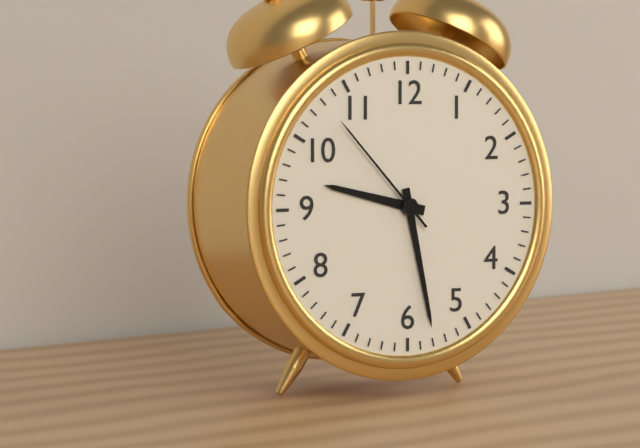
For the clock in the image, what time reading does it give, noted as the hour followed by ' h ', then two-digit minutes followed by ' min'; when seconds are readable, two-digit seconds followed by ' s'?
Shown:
9 h 28 min 53 s
